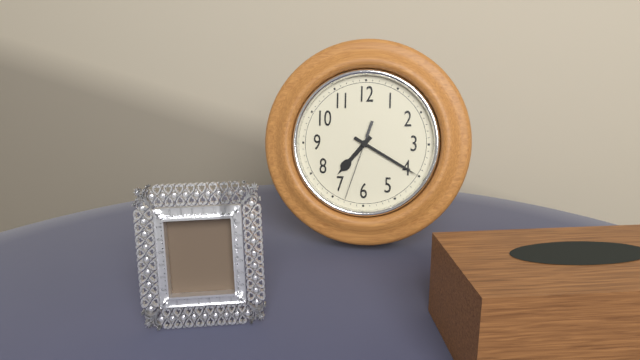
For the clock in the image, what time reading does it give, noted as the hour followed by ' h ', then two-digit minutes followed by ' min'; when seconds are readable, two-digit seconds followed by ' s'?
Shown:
7 h 20 min 33 s
